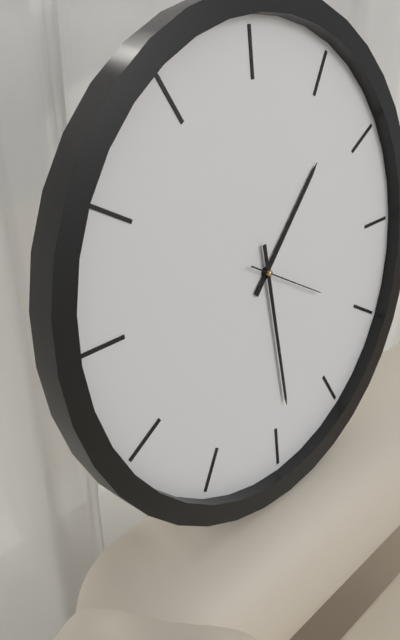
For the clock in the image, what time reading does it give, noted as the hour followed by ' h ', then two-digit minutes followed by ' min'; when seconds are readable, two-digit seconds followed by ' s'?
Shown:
1 h 29 min 20 s
